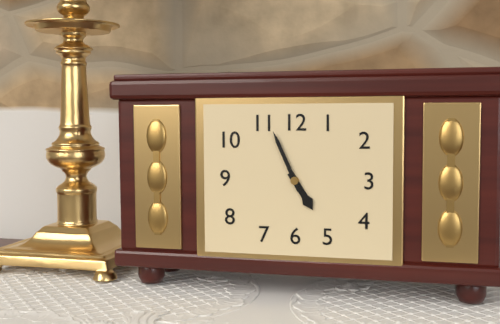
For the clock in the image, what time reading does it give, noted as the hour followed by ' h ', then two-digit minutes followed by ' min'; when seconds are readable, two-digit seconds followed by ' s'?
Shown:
4 h 56 min
